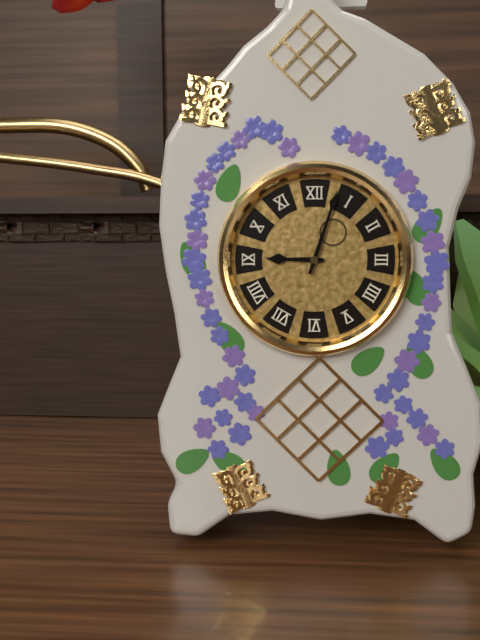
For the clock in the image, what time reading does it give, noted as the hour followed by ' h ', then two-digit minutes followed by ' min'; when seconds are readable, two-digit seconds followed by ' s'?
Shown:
9 h 03 min
